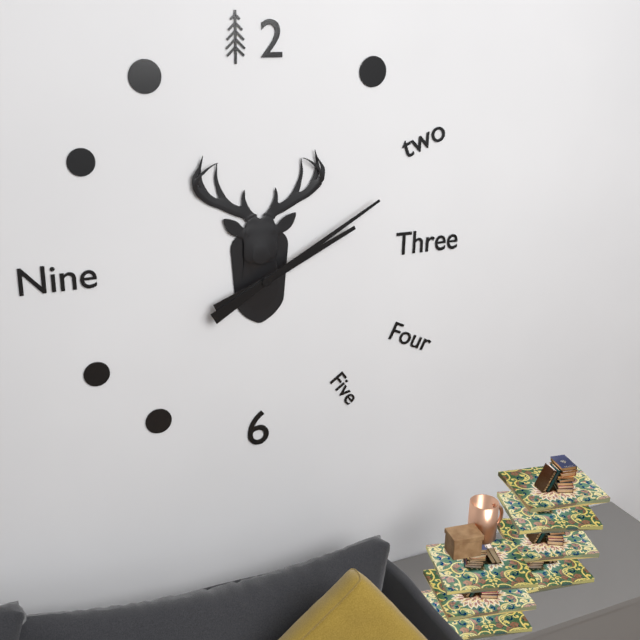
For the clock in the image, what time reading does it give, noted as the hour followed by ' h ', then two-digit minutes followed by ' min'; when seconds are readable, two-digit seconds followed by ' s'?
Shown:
2 h 10 min
